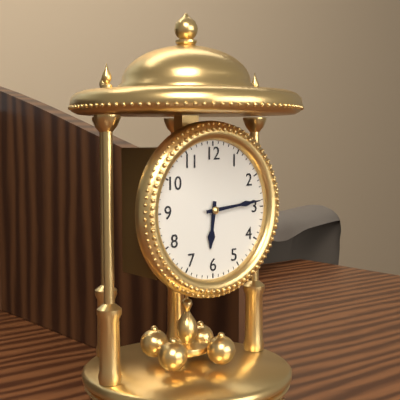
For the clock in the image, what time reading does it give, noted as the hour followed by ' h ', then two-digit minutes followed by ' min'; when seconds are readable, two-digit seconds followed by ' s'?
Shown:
6 h 14 min
